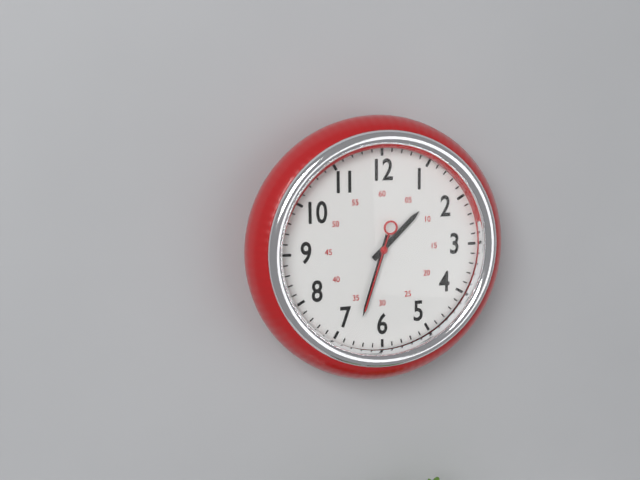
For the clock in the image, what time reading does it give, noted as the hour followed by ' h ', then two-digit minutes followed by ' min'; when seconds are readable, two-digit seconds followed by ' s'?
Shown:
1 h 33 min 33 s
